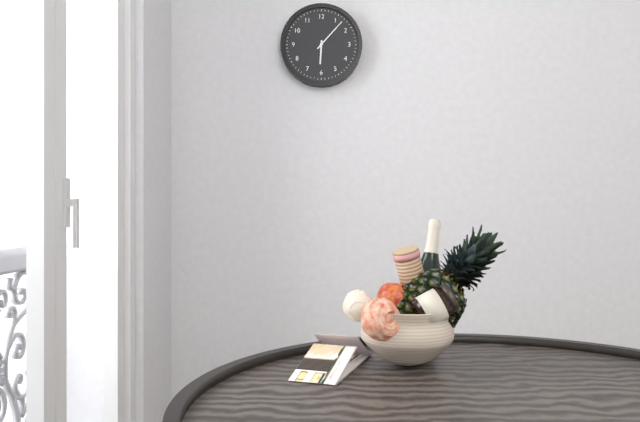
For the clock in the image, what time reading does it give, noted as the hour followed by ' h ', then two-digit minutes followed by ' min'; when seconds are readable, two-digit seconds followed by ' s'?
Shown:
6 h 07 min
